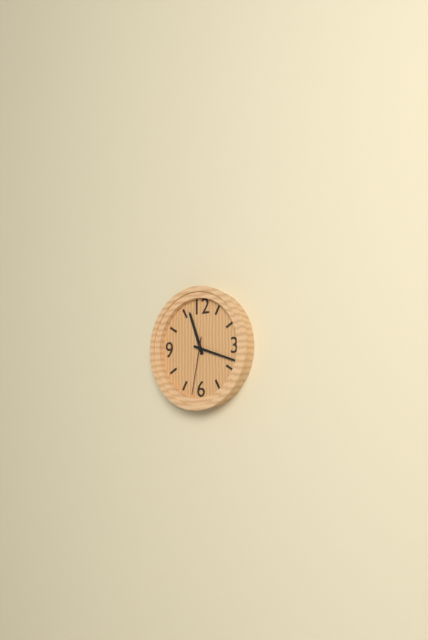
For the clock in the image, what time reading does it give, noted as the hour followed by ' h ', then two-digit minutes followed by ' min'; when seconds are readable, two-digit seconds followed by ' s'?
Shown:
11 h 18 min 32 s
